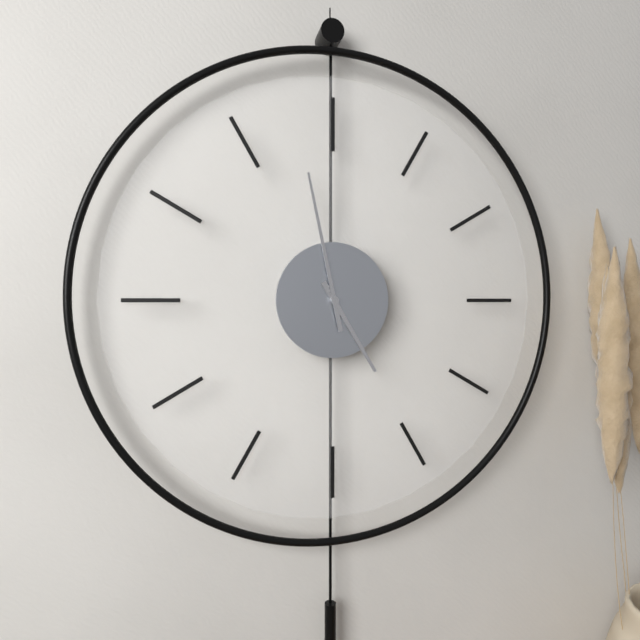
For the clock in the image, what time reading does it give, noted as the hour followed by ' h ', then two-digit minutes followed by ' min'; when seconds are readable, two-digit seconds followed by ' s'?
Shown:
4 h 58 min
